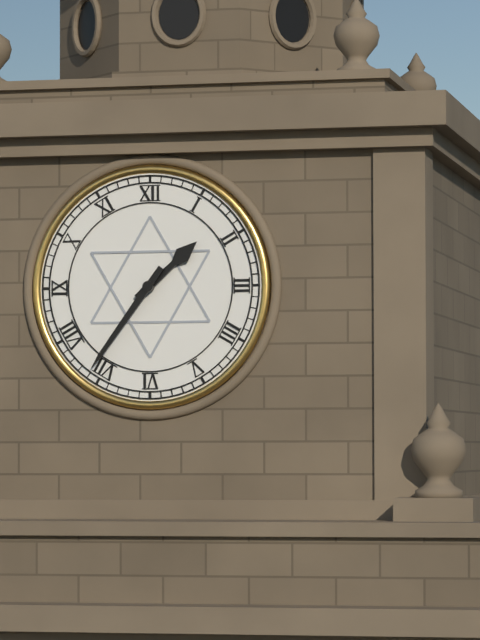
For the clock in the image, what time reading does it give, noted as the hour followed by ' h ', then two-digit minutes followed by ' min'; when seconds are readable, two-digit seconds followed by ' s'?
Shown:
1 h 36 min
